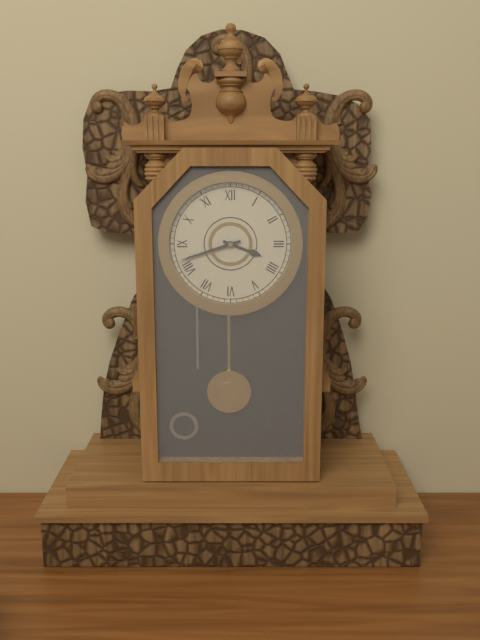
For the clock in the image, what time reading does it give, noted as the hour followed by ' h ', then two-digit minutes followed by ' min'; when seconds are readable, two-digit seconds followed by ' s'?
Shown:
3 h 42 min
